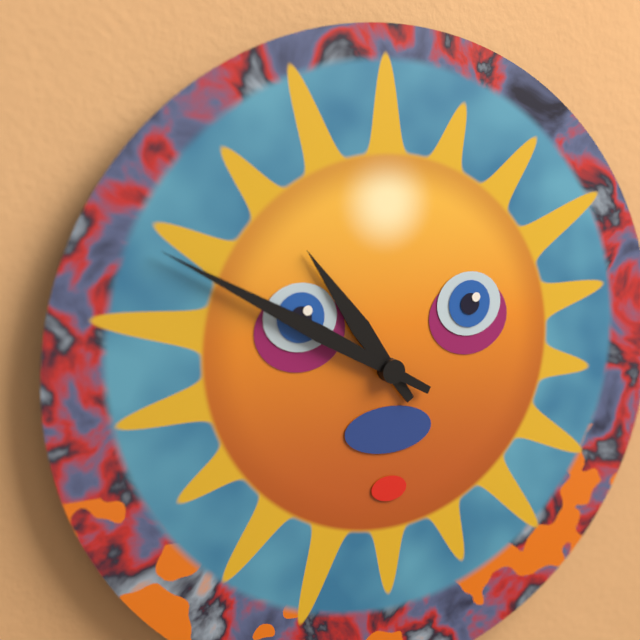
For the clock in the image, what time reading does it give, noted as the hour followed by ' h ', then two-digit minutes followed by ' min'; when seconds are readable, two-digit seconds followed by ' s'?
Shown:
10 h 50 min
